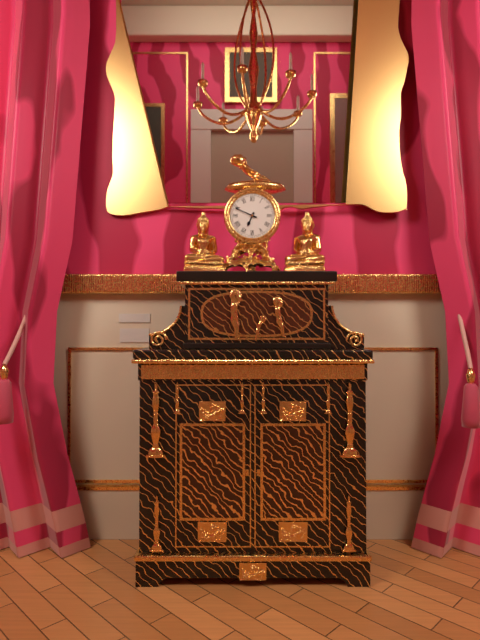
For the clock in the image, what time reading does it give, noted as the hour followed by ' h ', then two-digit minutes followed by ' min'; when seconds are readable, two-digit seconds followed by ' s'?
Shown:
6 h 49 min
